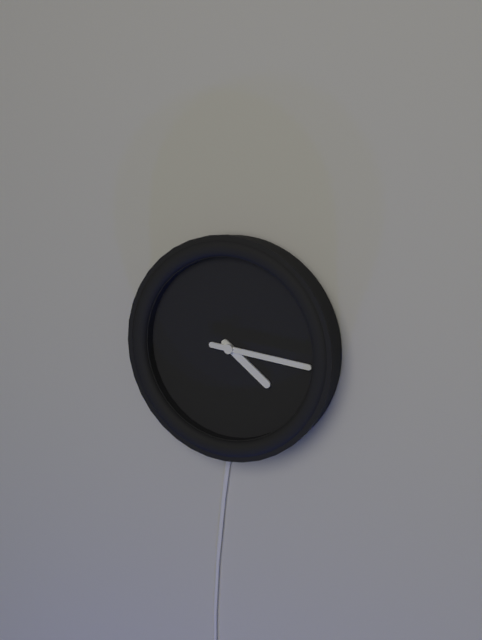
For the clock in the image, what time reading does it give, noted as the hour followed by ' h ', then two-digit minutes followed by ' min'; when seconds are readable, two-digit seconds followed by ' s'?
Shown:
4 h 16 min
